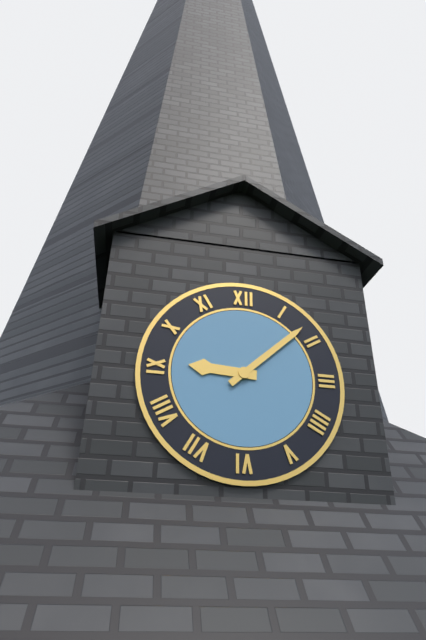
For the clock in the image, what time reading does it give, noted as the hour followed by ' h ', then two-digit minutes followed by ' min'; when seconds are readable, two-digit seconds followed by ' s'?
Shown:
9 h 08 min
